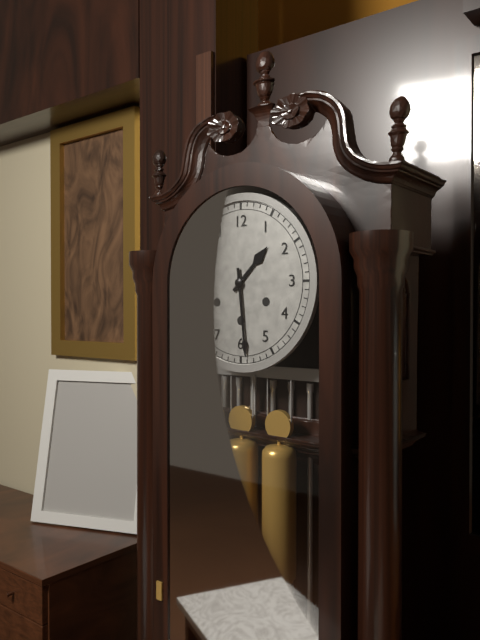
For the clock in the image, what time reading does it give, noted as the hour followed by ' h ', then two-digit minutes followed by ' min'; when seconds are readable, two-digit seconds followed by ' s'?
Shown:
1 h 29 min
